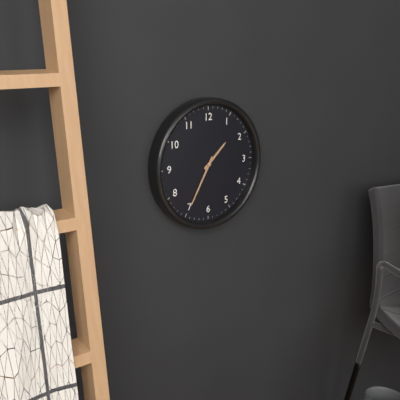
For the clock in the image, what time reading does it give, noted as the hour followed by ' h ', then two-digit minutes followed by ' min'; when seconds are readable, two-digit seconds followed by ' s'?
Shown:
1 h 35 min
